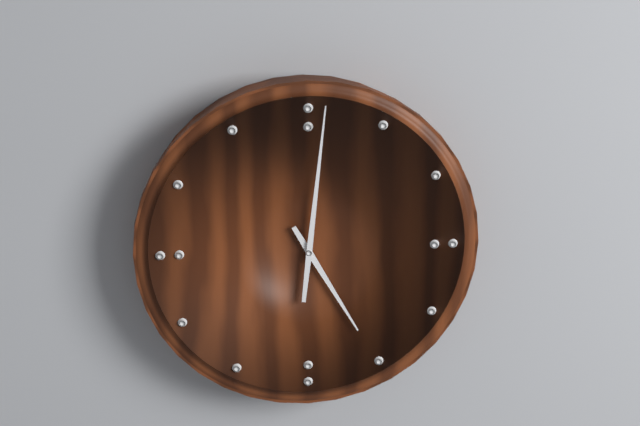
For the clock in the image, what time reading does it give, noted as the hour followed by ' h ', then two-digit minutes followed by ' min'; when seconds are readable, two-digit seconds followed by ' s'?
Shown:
5 h 01 min
